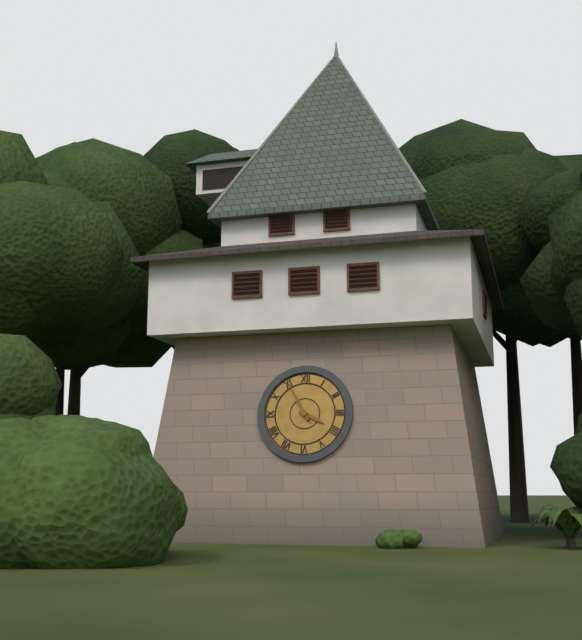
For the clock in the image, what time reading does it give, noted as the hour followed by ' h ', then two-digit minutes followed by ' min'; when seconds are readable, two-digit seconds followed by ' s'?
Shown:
3 h 55 min
